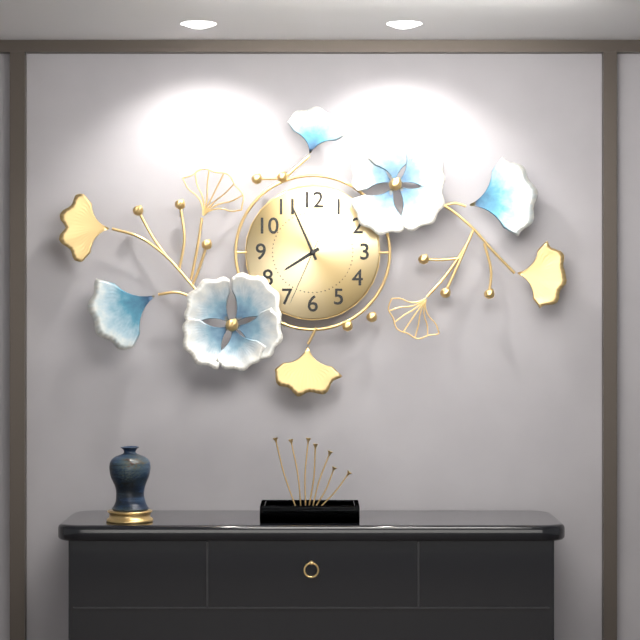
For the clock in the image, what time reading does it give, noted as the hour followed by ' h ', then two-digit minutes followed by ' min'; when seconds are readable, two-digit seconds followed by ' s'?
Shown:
7 h 56 min 34 s
